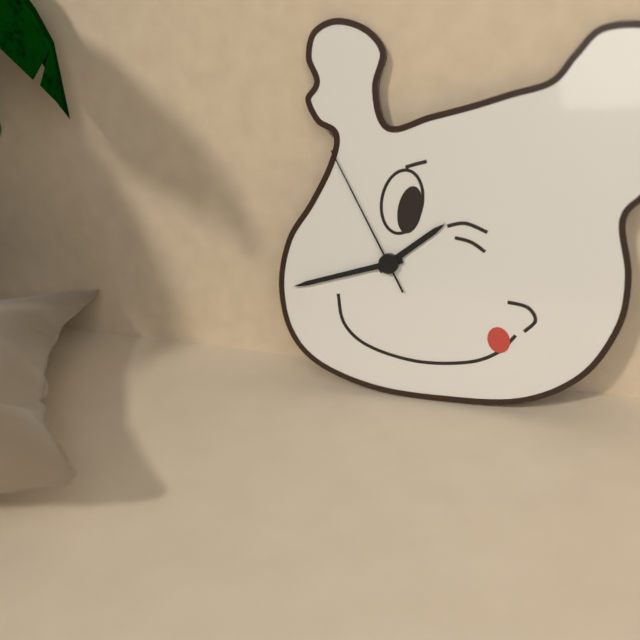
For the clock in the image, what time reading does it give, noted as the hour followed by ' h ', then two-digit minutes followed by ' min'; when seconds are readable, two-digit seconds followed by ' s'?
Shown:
1 h 42 min 55 s
